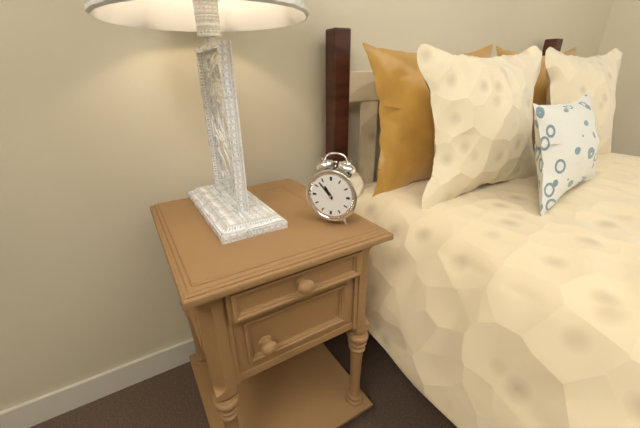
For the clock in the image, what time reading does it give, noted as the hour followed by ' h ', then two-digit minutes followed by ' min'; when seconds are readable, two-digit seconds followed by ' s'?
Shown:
10 h 53 min
